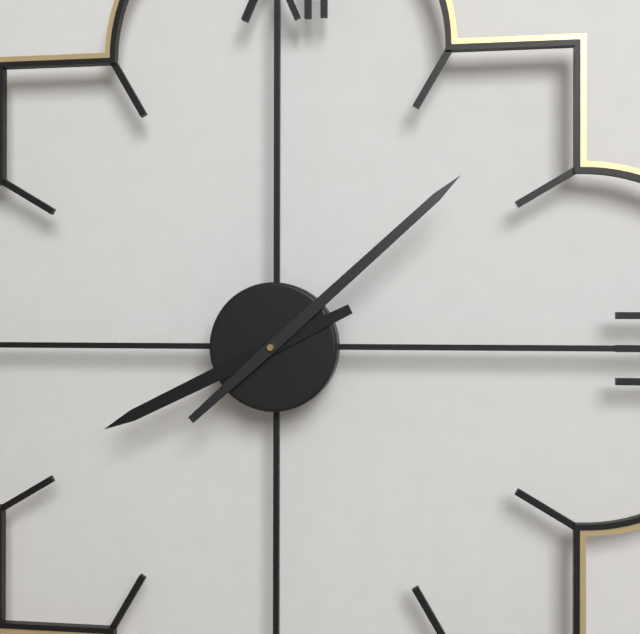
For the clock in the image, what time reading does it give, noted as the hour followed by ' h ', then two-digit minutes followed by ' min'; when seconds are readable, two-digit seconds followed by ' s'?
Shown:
8 h 08 min
